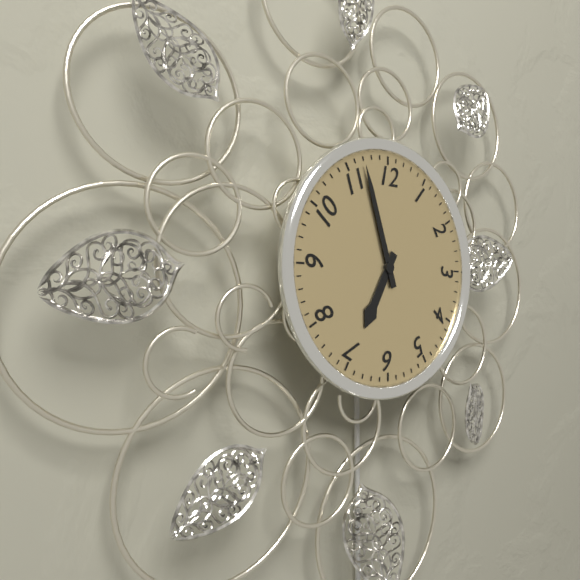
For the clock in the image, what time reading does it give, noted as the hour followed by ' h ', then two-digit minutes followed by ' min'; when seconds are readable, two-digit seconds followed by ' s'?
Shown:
6 h 57 min
